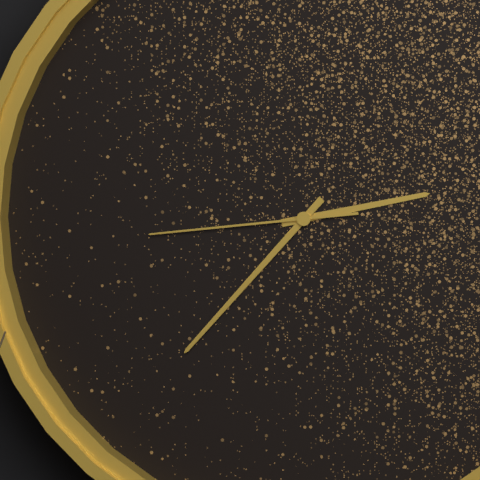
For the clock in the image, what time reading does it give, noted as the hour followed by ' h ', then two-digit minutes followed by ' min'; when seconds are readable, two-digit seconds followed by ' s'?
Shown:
2 h 37 min 44 s
